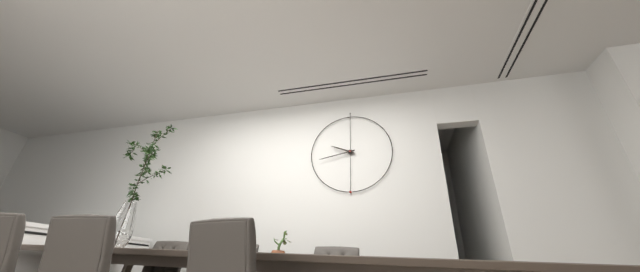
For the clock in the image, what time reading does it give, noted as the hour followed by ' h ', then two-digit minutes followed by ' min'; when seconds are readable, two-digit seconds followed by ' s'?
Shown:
9 h 43 min
